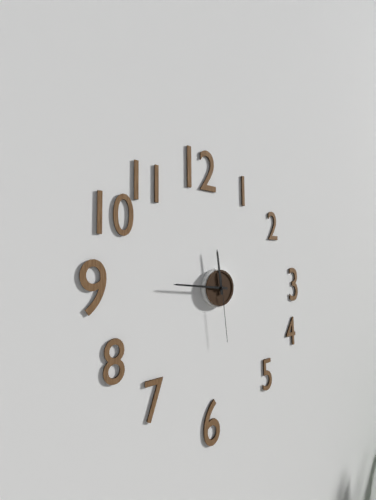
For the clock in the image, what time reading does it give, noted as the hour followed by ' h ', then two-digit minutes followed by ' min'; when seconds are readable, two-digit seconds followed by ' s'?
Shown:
11 h 46 min 29 s
